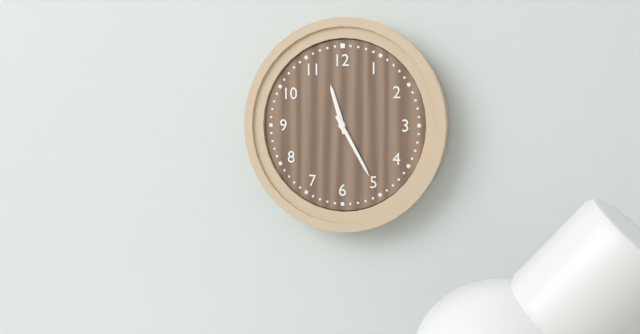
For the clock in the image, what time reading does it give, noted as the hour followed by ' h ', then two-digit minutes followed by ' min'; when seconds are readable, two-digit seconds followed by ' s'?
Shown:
11 h 25 min
